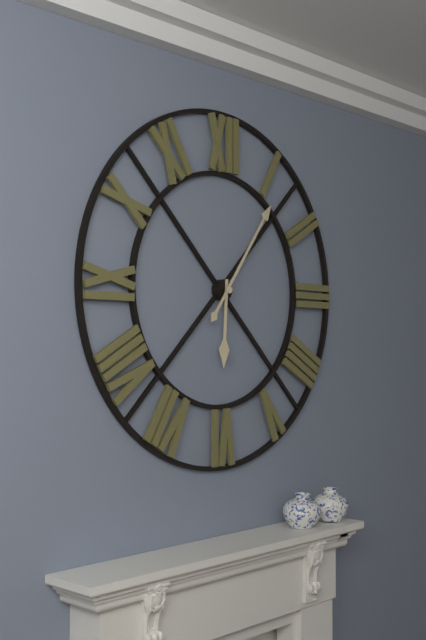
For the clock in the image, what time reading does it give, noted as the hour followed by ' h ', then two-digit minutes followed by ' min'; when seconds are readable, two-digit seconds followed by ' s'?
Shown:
6 h 06 min
